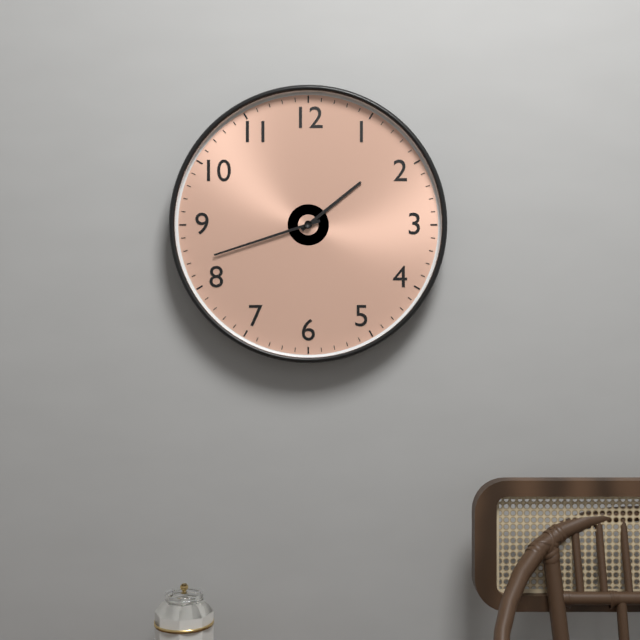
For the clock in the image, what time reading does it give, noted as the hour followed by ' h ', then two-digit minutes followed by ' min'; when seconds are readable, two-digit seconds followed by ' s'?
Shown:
1 h 42 min
